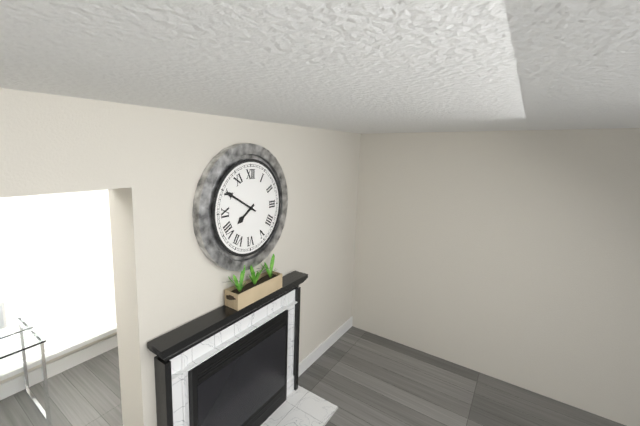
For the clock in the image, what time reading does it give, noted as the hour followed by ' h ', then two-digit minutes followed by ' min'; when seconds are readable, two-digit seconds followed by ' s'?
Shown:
7 h 50 min
